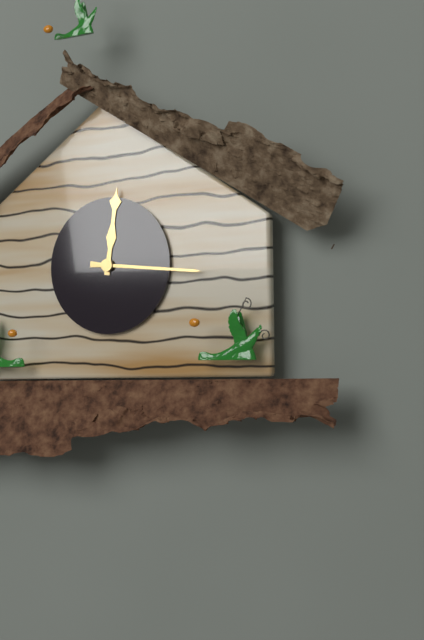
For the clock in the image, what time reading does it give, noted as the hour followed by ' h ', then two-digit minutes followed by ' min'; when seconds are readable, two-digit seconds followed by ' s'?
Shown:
12 h 16 min
